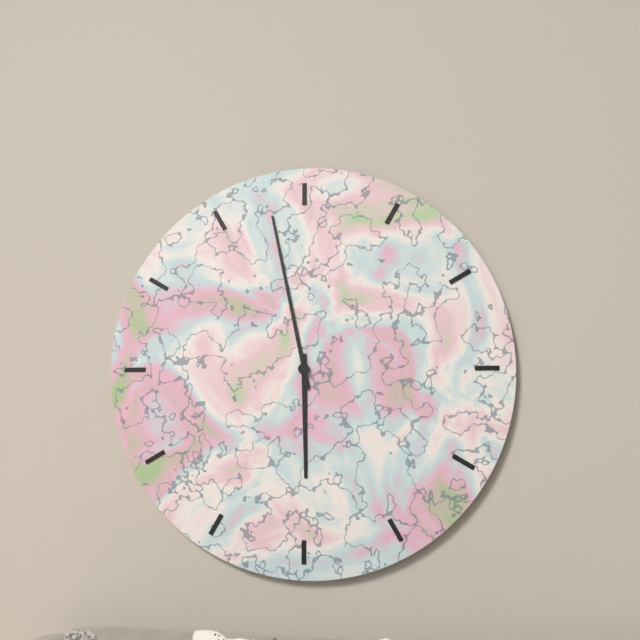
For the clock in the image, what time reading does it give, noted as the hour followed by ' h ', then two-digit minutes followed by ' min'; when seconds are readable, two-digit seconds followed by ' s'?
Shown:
5 h 58 min
